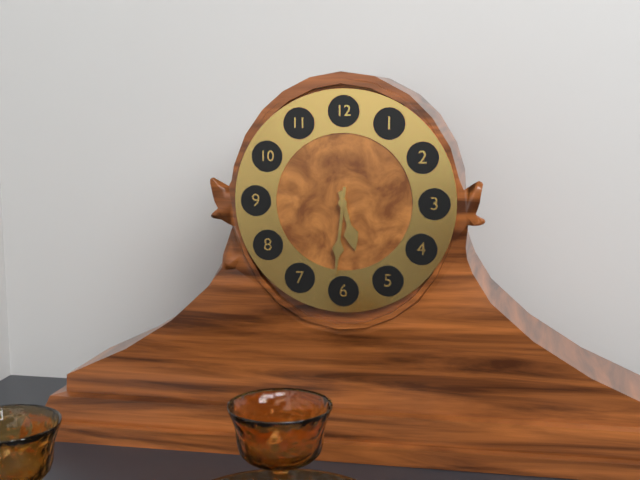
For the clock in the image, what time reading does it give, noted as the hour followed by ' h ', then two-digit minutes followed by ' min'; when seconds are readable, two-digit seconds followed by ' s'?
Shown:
5 h 31 min
